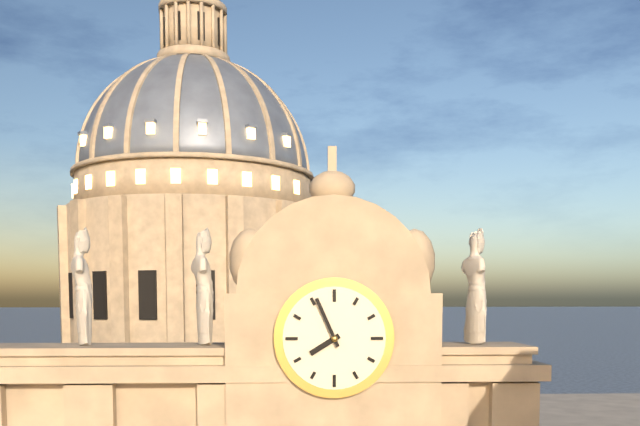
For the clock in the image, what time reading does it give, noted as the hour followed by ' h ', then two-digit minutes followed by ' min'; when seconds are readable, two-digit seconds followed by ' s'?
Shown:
7 h 56 min
